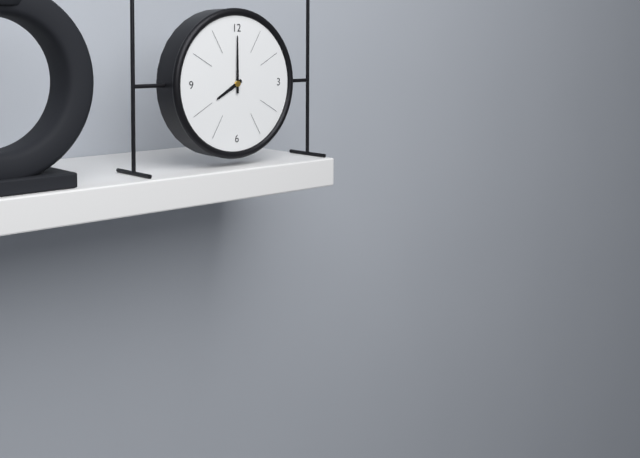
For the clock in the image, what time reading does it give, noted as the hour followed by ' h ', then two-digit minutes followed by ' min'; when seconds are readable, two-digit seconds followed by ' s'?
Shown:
8 h 00 min
